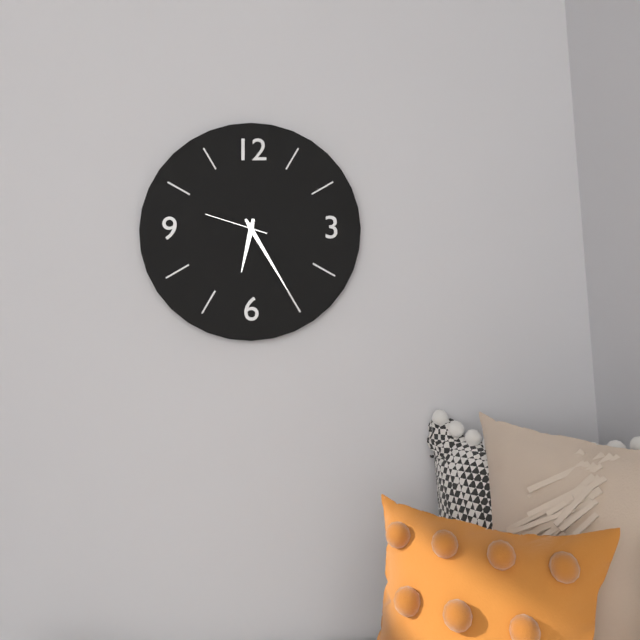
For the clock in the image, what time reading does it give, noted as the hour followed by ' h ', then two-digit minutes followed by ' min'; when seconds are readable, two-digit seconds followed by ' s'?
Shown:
6 h 25 min 48 s
